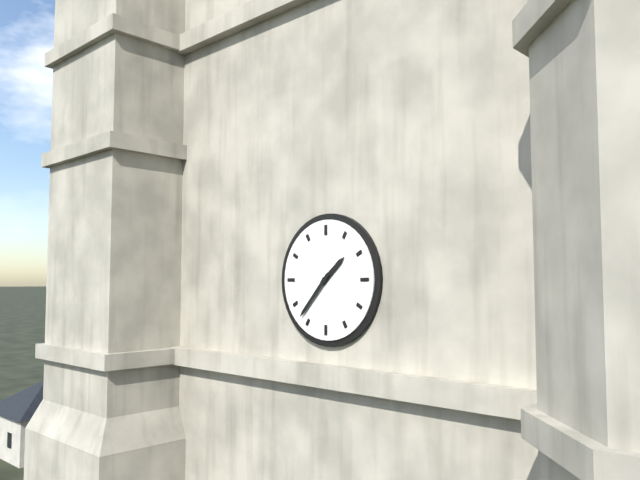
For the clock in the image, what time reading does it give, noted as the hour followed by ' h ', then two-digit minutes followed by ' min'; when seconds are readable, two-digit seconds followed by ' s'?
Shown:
1 h 37 min
